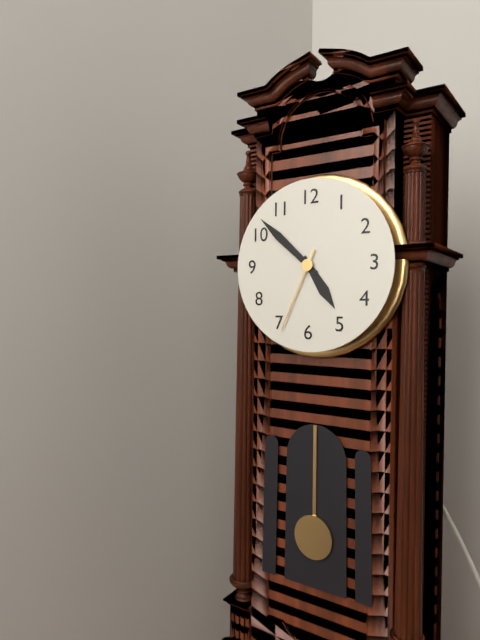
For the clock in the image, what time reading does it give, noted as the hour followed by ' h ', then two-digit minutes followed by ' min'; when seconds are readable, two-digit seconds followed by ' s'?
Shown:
4 h 52 min 34 s
